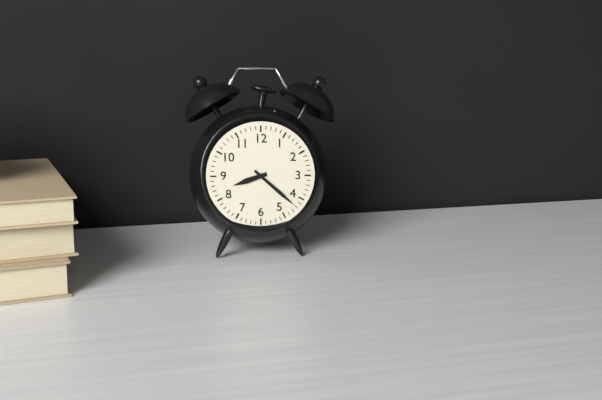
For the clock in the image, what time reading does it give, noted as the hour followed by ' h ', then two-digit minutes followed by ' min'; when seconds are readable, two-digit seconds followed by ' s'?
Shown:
8 h 22 min
